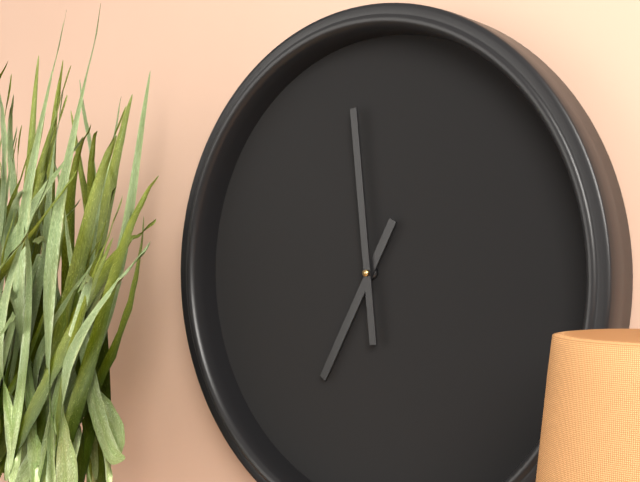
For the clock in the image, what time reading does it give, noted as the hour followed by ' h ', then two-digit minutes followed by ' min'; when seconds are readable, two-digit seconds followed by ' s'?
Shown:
6 h 59 min
